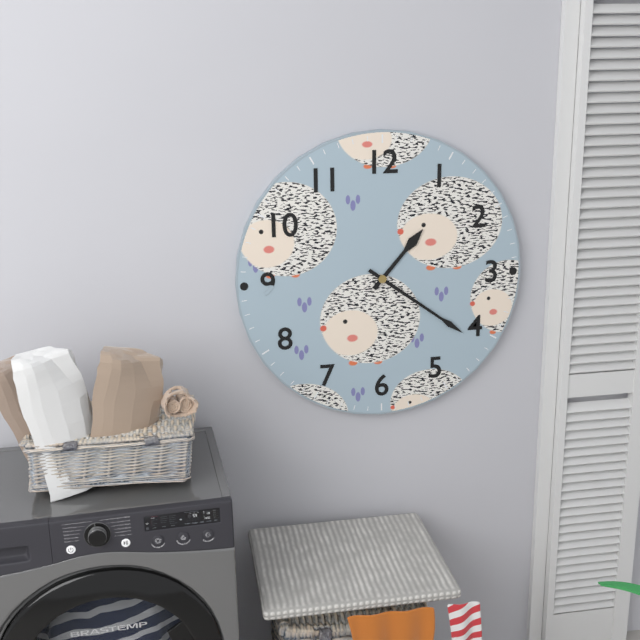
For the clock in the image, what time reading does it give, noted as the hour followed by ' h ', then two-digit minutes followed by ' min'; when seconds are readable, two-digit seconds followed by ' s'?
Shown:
1 h 21 min
